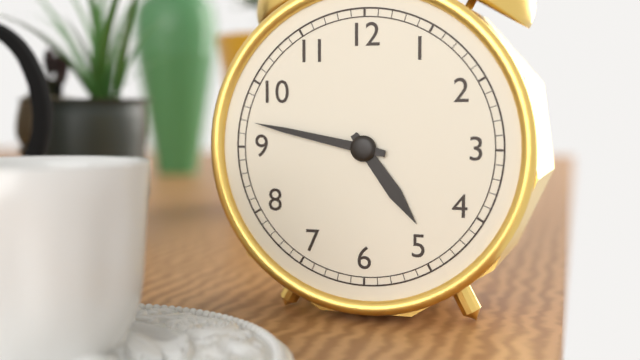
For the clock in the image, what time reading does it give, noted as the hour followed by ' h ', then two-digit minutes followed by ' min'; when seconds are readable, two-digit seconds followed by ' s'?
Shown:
4 h 47 min
